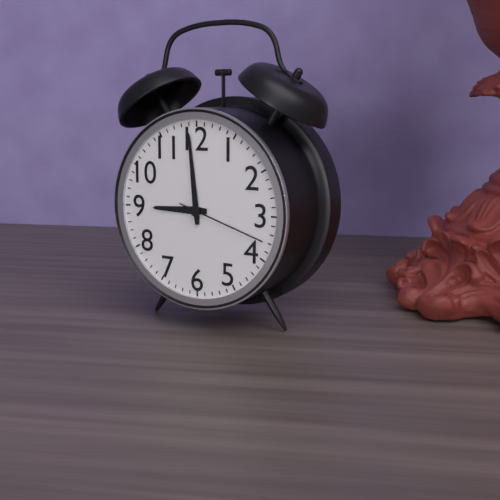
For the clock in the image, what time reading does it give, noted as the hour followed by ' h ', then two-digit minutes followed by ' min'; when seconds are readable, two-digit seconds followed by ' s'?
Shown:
8 h 59 min 18 s
